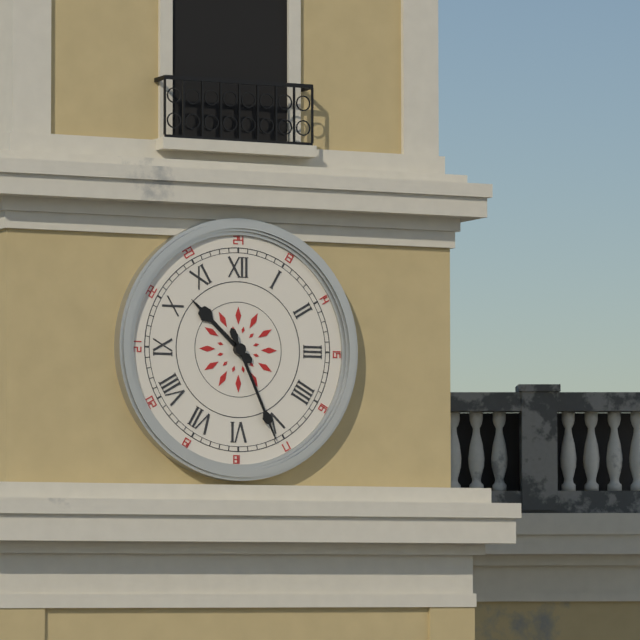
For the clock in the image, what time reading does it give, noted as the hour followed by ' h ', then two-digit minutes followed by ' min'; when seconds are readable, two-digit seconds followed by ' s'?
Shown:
10 h 26 min
